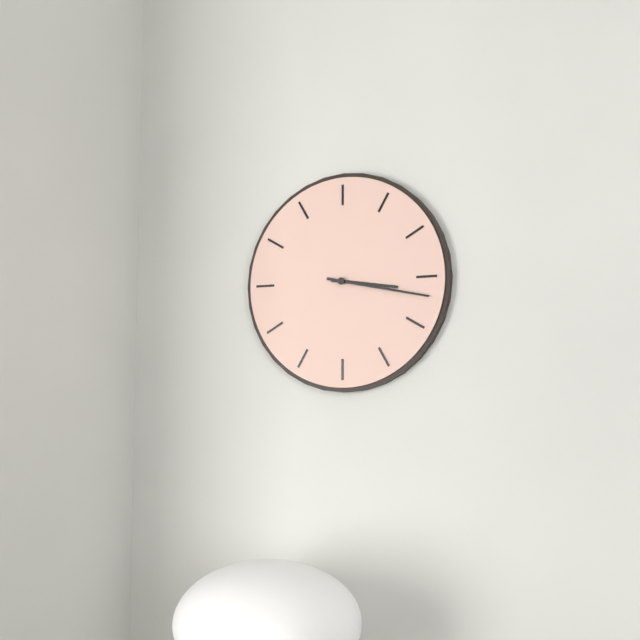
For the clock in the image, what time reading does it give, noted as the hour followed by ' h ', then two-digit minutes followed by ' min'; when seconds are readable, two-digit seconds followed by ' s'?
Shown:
3 h 17 min
